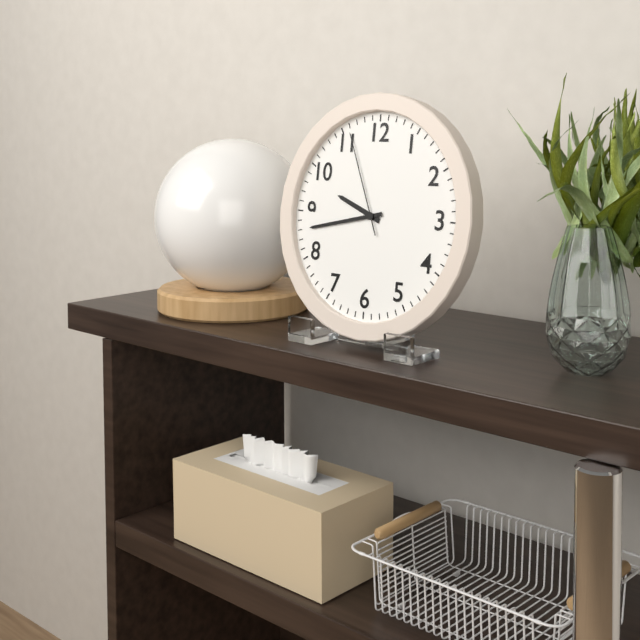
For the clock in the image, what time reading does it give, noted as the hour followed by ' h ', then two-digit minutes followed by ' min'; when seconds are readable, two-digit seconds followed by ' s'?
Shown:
9 h 43 min 56 s
